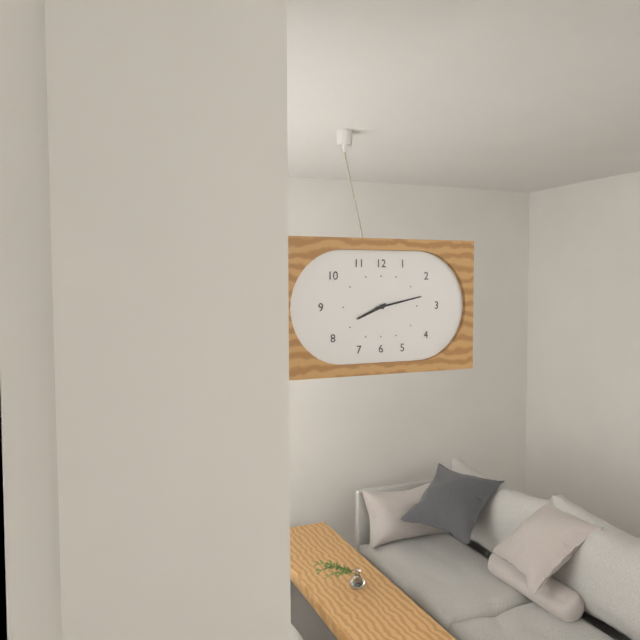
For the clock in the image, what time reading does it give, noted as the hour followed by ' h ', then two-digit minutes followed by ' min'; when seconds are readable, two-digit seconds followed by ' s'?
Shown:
8 h 13 min
